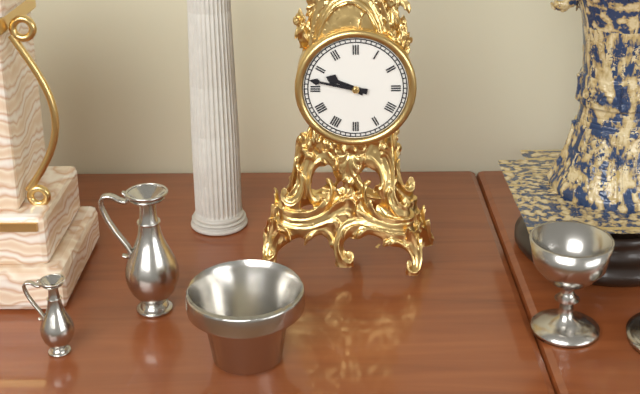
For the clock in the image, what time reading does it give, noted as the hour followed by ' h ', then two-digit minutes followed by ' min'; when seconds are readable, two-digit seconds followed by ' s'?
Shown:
9 h 47 min
